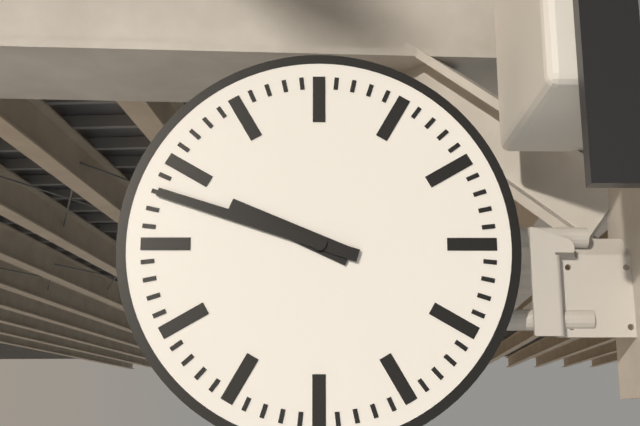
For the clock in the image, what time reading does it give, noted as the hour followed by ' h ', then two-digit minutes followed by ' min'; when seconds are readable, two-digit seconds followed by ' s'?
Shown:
9 h 48 min
